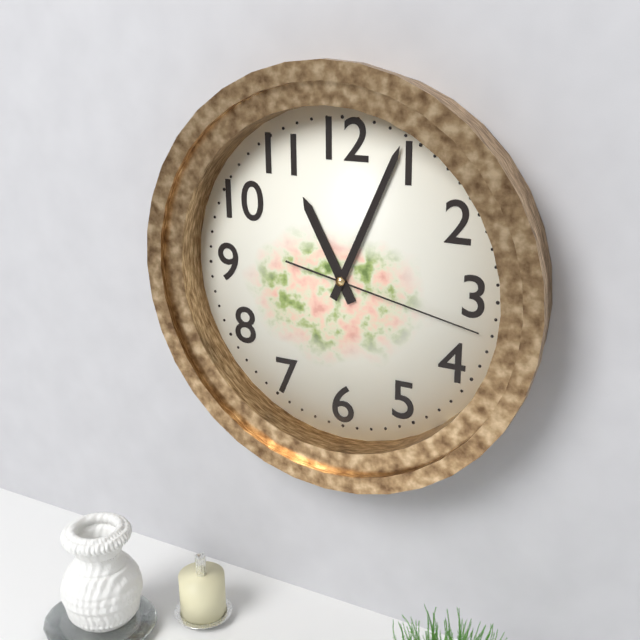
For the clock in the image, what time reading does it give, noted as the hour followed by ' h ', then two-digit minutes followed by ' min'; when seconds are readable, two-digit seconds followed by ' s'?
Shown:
11 h 04 min 17 s
